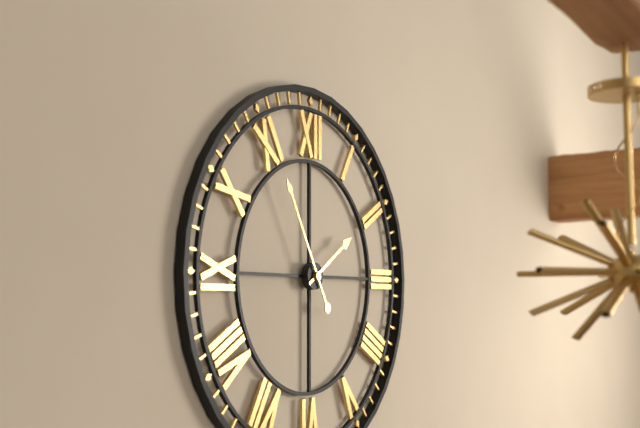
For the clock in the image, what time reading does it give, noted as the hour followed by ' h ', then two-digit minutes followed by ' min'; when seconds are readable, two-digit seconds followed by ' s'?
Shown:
1 h 55 min
